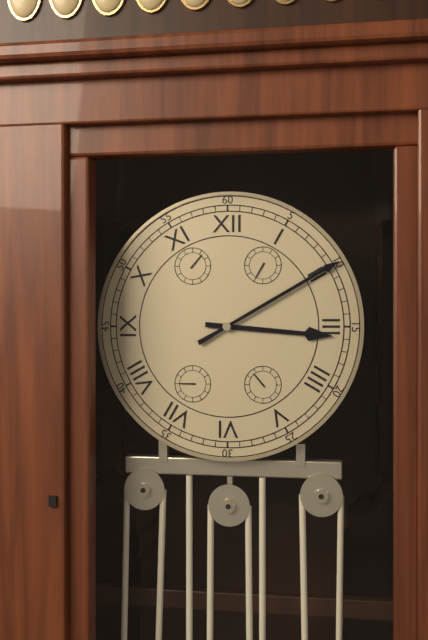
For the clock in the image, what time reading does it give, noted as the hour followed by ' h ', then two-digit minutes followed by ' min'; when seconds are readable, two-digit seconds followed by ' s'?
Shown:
3 h 10 min
